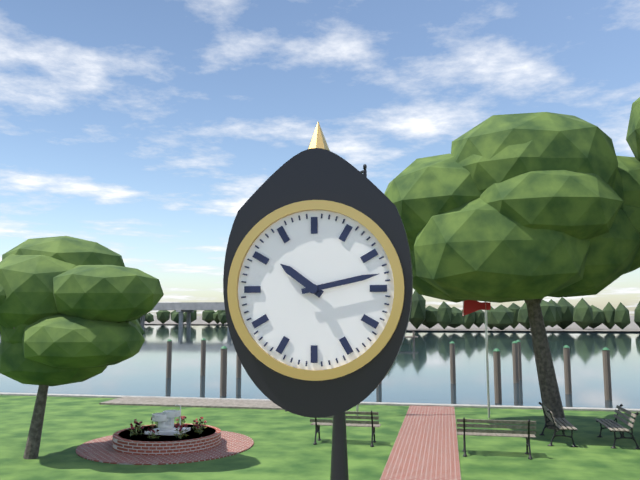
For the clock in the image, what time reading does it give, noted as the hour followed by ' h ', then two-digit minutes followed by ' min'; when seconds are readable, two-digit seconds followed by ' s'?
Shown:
10 h 13 min
